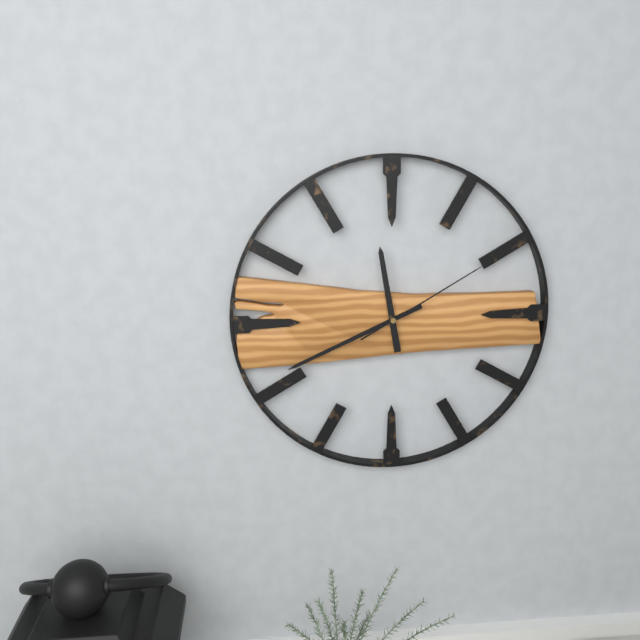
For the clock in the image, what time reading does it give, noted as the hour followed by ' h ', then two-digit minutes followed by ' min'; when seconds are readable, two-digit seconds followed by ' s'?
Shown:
11 h 41 min 10 s
